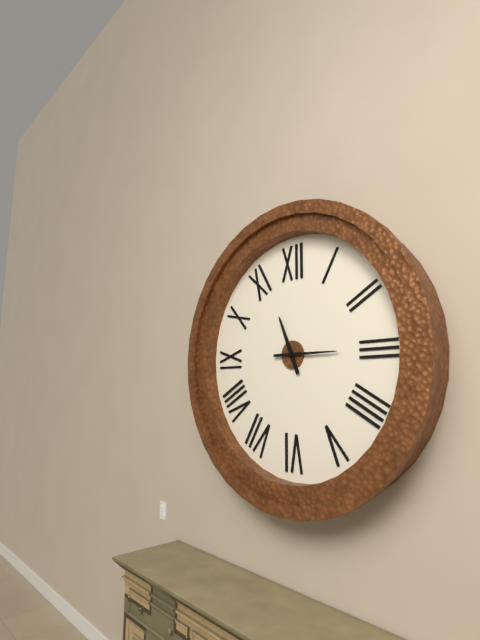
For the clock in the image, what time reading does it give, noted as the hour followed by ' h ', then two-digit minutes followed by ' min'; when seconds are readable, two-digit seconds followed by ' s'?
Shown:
11 h 15 min
